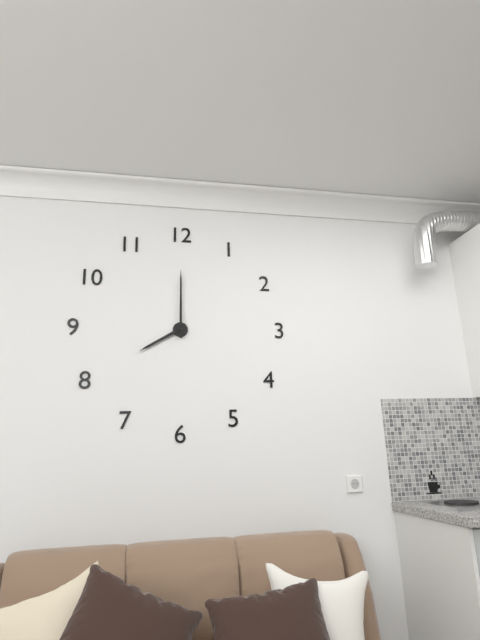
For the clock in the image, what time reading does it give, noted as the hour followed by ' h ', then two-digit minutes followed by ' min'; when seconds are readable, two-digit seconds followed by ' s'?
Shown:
8 h 00 min
